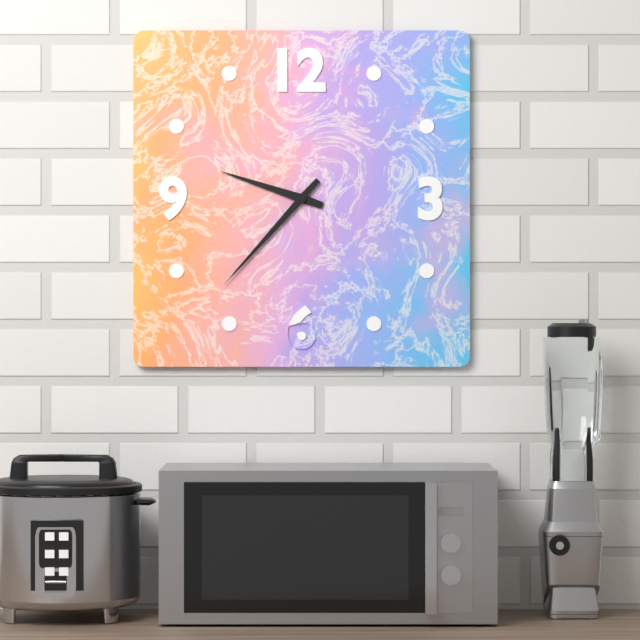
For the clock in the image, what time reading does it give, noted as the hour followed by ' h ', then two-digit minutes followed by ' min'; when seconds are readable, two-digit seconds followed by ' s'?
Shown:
9 h 37 min
